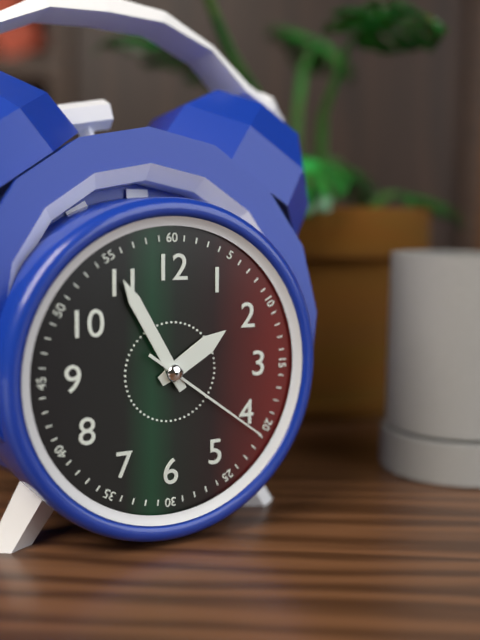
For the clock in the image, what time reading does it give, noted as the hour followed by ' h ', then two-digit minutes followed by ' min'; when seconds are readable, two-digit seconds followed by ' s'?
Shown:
1 h 55 min 21 s
